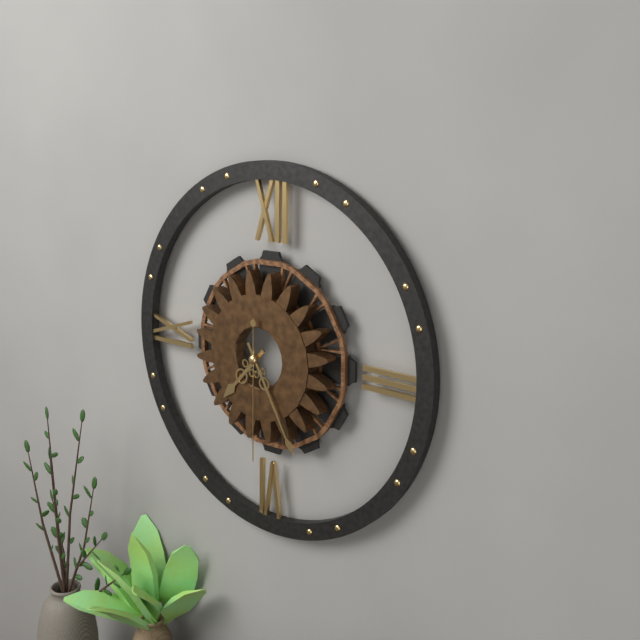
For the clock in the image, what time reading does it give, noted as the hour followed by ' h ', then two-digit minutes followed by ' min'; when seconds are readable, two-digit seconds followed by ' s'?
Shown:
7 h 25 min 30 s
